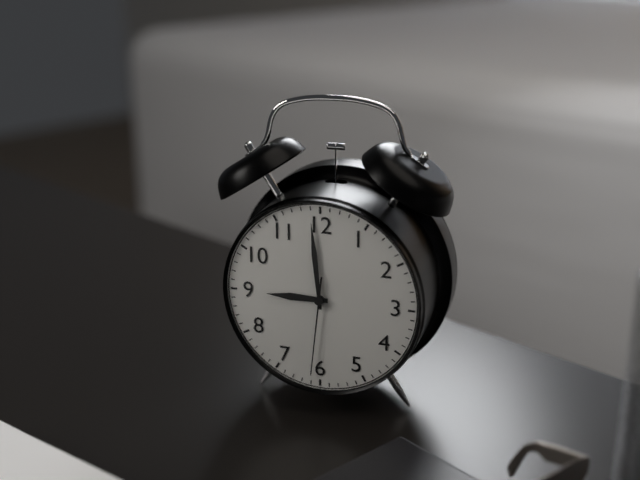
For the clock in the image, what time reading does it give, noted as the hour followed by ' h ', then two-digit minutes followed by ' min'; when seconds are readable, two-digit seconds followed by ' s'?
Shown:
8 h 59 min 31 s
